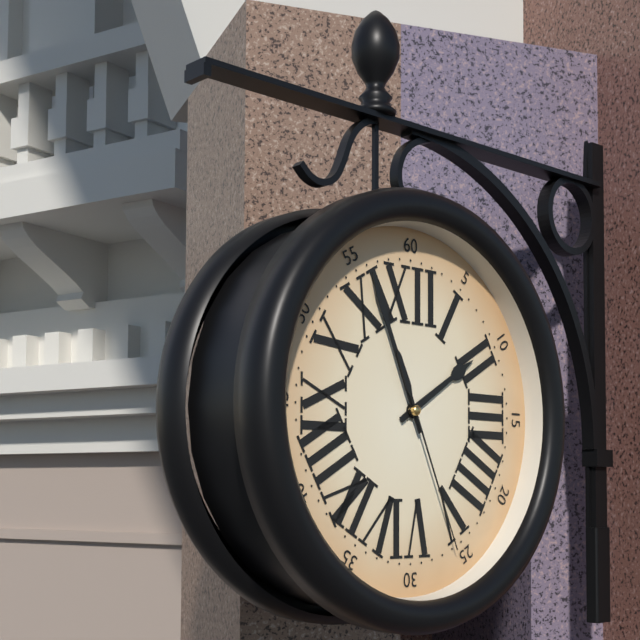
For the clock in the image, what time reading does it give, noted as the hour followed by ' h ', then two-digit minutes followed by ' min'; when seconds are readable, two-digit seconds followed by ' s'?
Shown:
1 h 56 min 26 s
